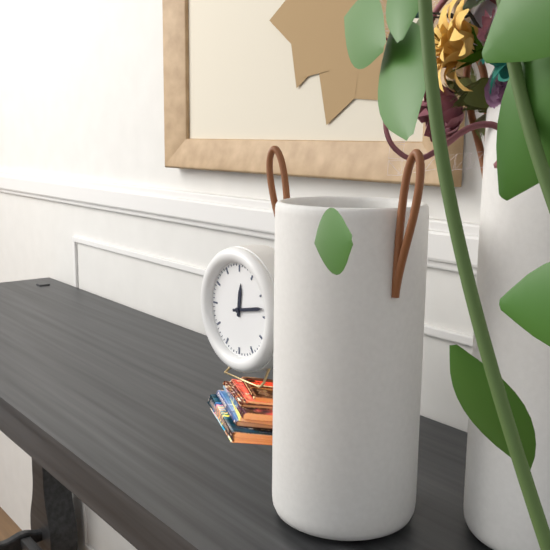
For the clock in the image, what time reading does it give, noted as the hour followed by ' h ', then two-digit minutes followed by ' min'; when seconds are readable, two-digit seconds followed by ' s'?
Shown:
12 h 13 min
